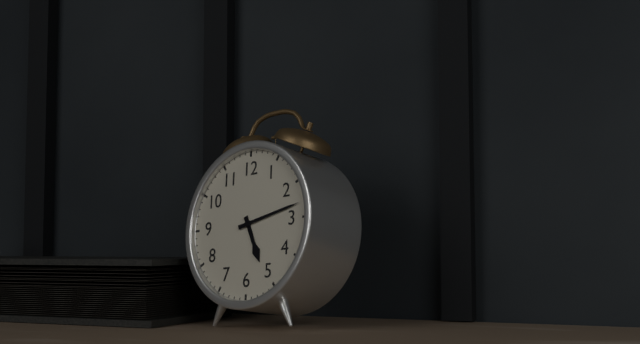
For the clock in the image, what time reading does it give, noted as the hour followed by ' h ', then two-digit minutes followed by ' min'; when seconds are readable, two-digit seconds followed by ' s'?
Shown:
5 h 13 min
